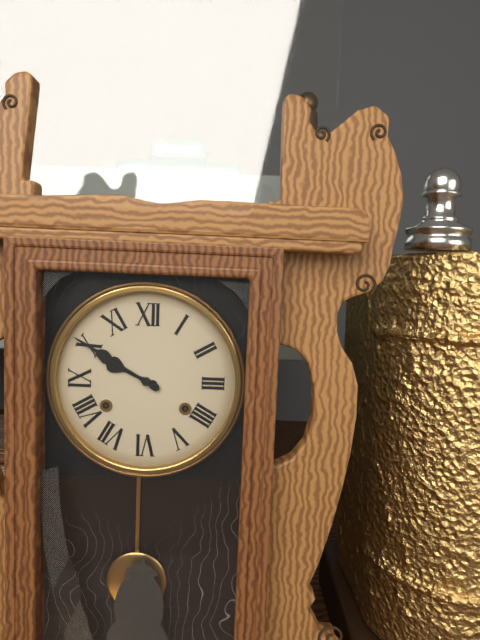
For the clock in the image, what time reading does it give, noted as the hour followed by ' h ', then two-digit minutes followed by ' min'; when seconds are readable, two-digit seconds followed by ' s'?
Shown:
9 h 50 min
